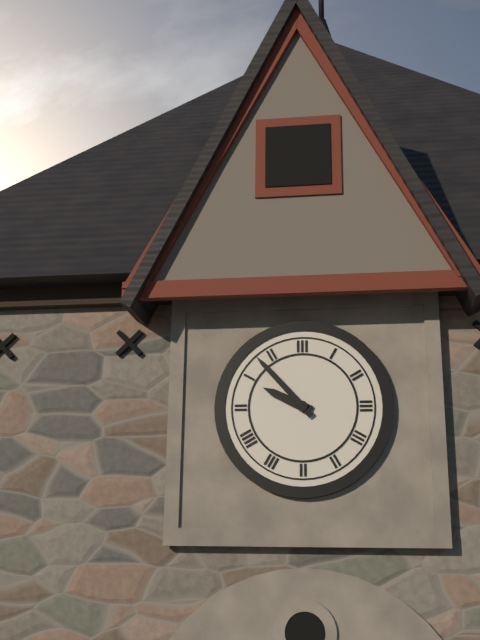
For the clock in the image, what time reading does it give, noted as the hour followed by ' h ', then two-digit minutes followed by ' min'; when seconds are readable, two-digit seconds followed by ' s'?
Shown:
9 h 53 min
